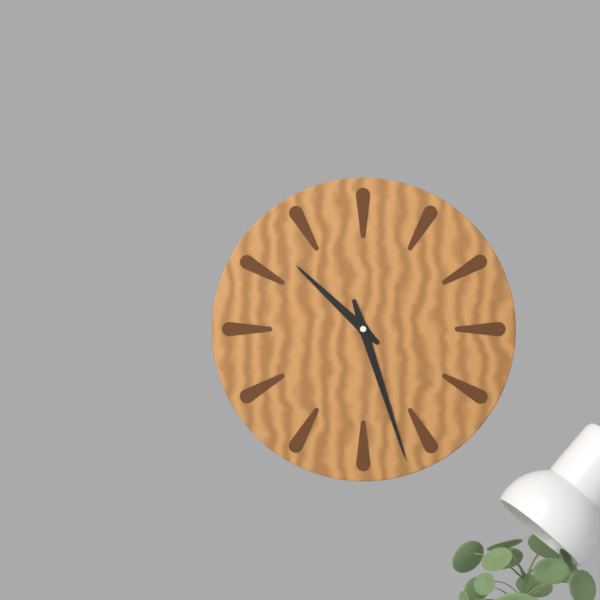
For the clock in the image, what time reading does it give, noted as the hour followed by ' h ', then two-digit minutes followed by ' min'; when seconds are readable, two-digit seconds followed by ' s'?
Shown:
10 h 27 min
